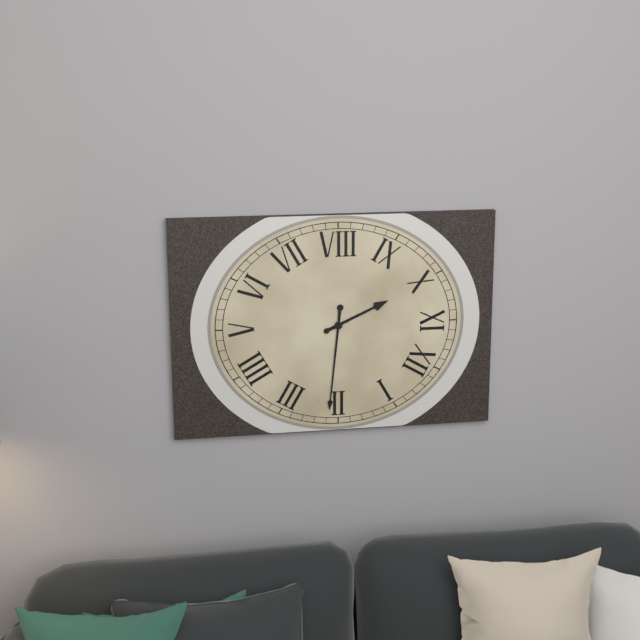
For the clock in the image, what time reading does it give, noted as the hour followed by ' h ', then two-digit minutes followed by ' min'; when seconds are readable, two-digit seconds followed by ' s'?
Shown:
10 h 11 min
